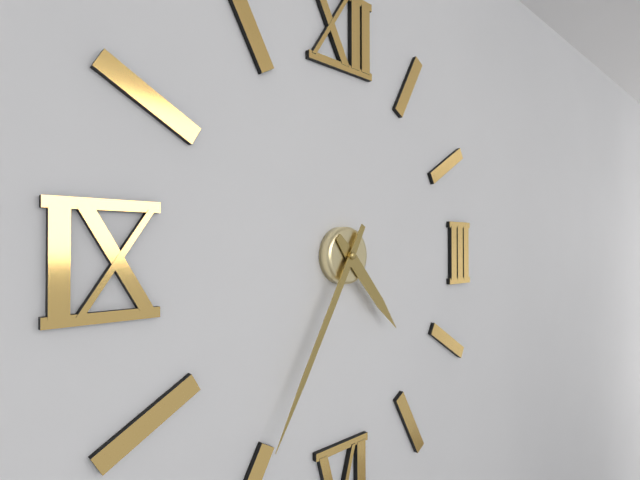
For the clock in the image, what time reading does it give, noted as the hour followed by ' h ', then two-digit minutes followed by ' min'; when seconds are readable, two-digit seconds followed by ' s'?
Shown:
4 h 35 min
